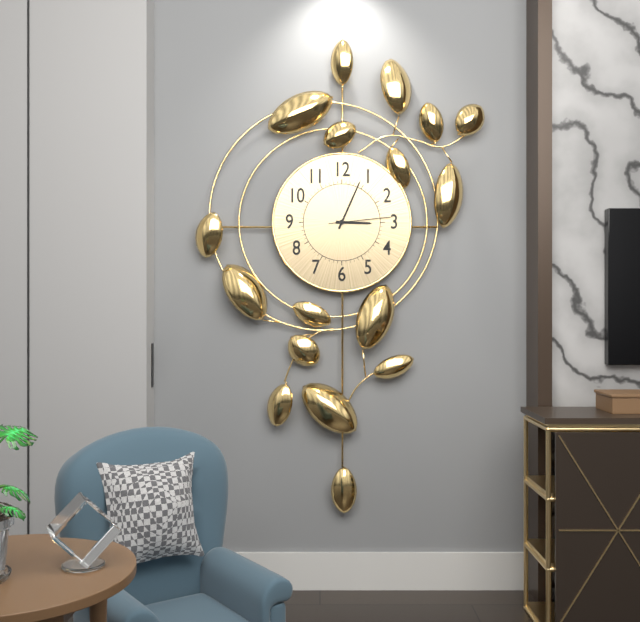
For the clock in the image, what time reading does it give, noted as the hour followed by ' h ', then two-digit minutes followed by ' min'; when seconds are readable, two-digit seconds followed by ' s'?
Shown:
3 h 04 min 14 s
